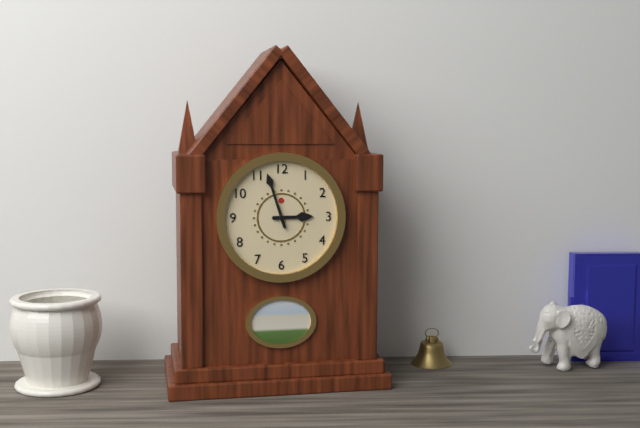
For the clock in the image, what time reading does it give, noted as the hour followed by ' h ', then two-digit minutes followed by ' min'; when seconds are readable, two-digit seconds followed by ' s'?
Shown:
2 h 57 min
